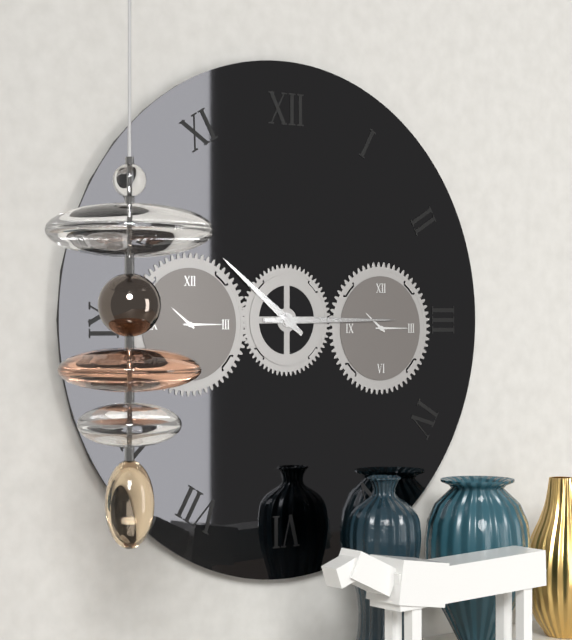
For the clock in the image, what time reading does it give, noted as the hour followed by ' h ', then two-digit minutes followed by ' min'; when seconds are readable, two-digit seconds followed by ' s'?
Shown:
10 h 15 min
